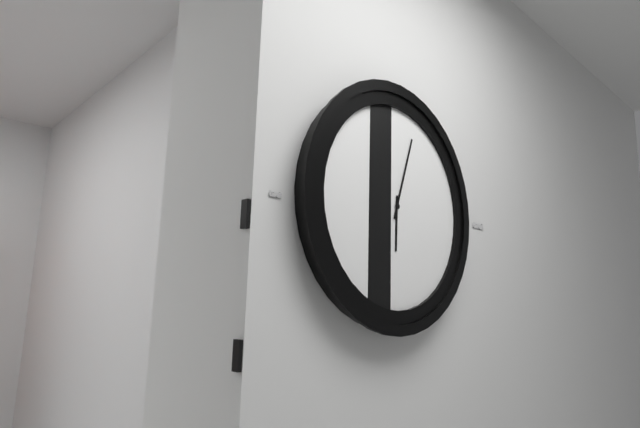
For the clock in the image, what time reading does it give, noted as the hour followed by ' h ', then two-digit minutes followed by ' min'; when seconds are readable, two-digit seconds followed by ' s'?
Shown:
6 h 03 min
